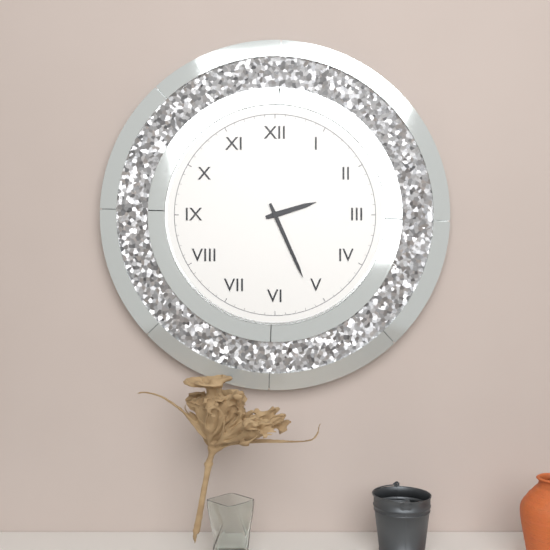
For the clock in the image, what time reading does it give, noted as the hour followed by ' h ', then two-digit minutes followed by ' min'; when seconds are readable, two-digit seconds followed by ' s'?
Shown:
2 h 26 min
